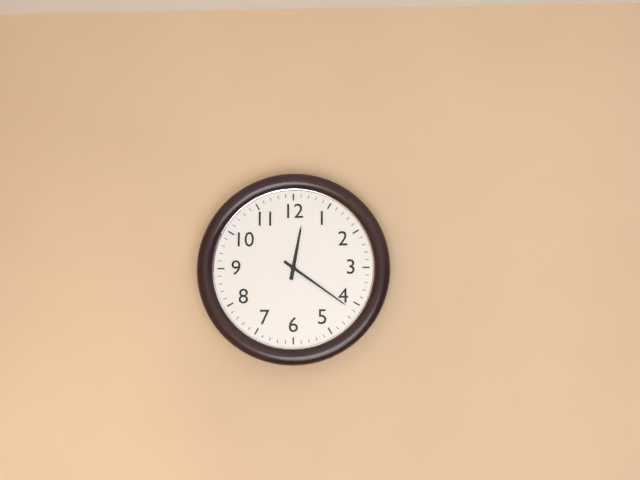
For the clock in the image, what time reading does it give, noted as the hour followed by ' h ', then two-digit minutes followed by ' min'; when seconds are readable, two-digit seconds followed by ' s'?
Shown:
12 h 21 min
